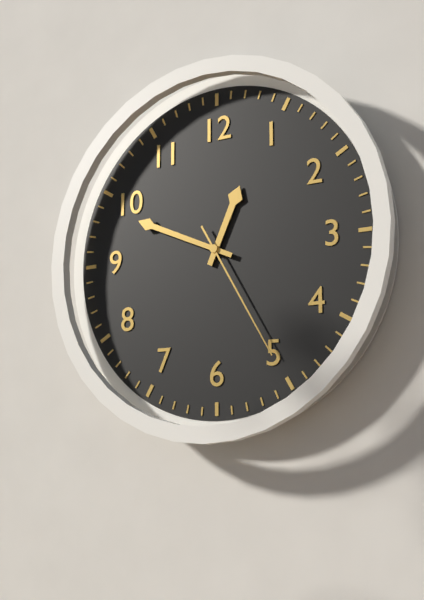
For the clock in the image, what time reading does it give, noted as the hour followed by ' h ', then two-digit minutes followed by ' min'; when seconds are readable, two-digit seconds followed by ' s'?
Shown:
12 h 49 min 25 s
